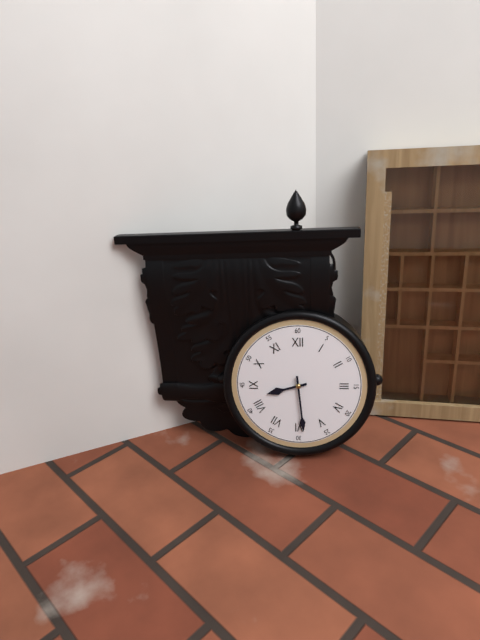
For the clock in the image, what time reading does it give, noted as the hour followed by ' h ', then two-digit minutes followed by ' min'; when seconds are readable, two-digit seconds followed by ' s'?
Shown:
8 h 29 min
